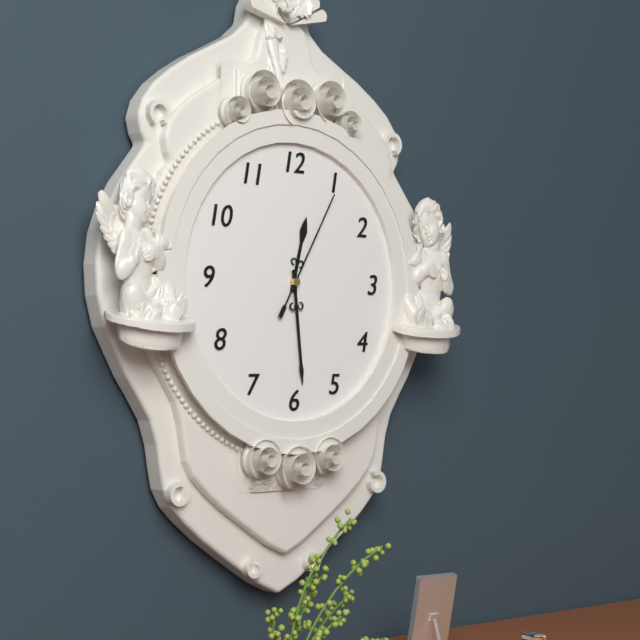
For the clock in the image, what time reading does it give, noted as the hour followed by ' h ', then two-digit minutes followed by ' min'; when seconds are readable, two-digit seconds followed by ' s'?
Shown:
12 h 29 min 05 s
